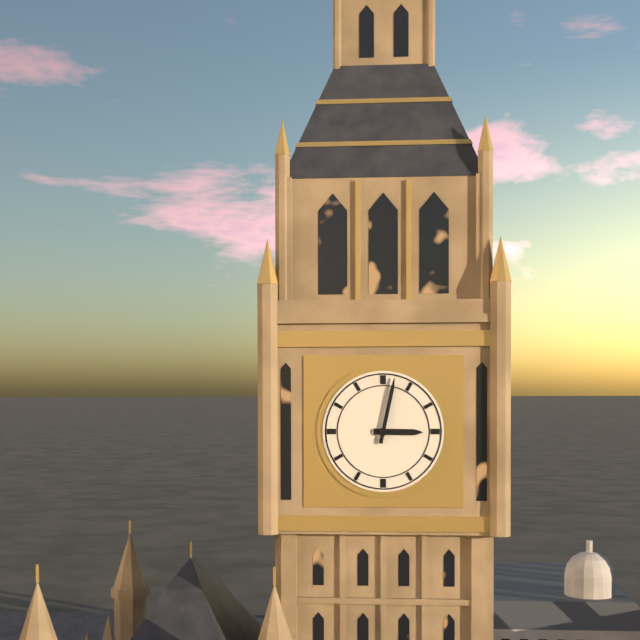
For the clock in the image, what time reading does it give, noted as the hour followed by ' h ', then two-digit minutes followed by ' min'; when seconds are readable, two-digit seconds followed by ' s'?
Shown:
3 h 02 min
